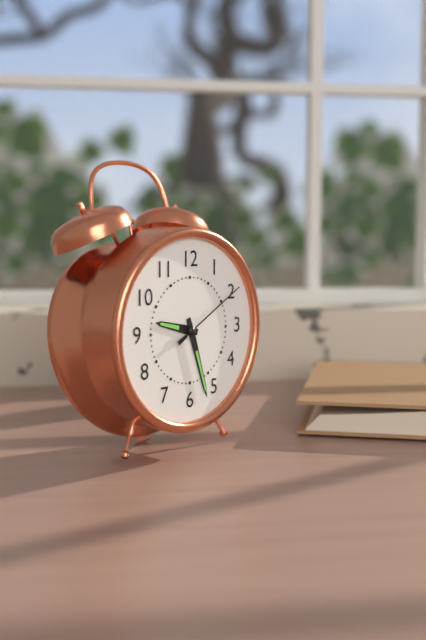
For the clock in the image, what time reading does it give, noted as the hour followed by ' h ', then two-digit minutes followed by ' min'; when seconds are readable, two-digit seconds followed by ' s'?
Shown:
9 h 27 min 10 s
